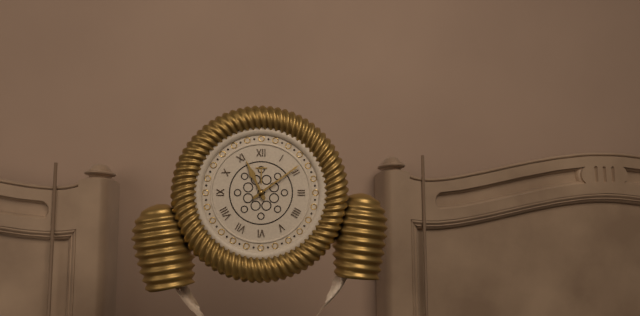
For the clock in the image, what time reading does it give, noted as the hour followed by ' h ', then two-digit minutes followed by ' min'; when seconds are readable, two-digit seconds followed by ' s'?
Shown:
11 h 09 min
